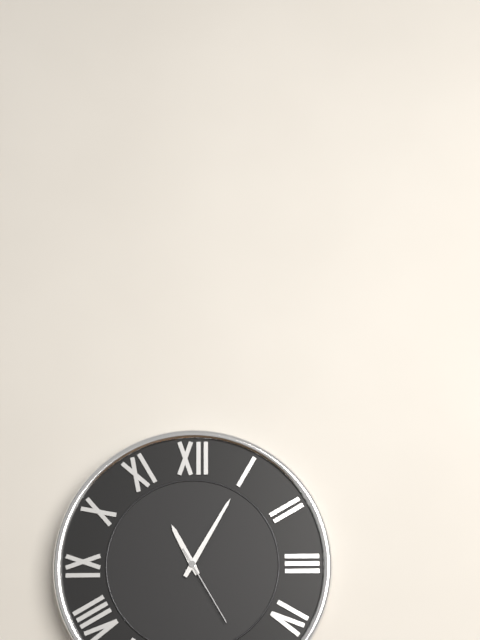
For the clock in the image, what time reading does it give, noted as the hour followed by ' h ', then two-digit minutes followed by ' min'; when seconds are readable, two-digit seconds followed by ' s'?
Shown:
11 h 05 min 25 s
